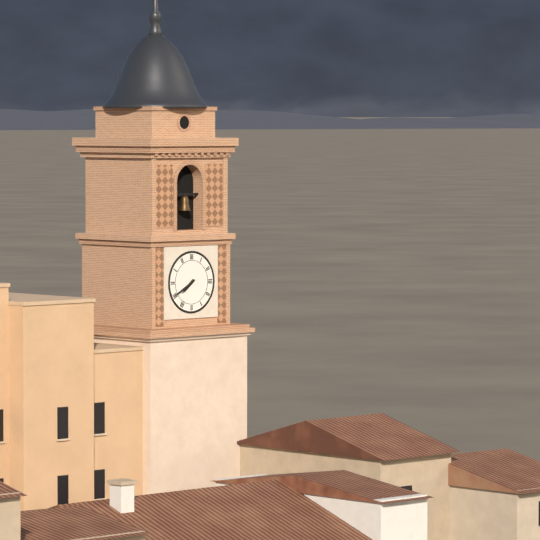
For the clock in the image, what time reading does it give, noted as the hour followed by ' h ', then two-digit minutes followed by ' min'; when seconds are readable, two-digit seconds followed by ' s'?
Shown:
7 h 40 min
